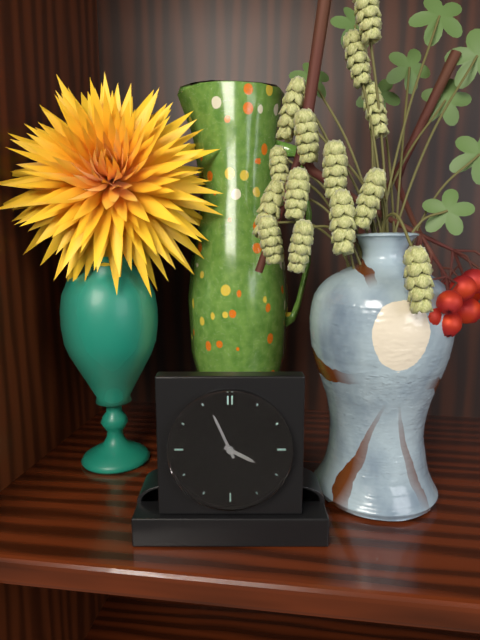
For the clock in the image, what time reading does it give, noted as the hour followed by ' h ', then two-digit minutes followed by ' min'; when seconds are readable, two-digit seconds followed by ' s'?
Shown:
3 h 56 min
